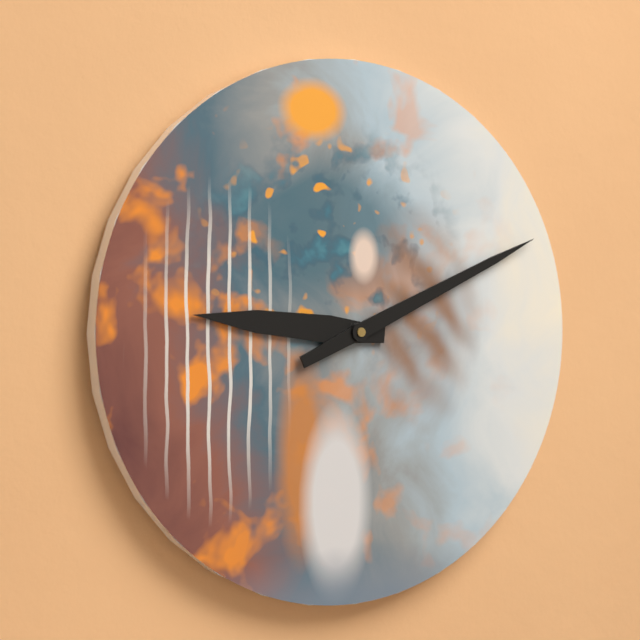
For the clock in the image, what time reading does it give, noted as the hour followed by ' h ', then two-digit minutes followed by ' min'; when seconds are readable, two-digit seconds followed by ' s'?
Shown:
9 h 11 min
